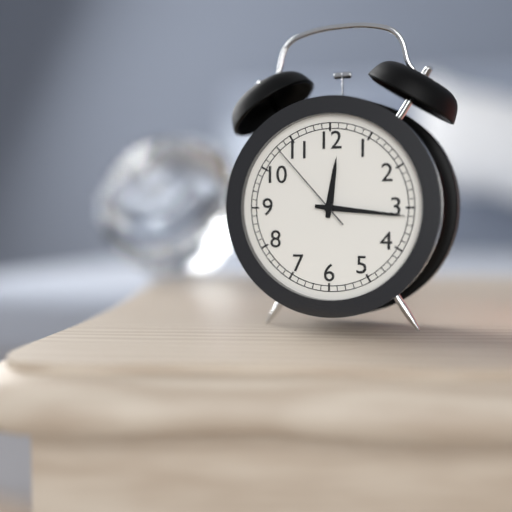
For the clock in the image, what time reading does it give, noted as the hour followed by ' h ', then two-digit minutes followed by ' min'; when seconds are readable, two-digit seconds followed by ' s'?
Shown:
12 h 16 min 53 s
